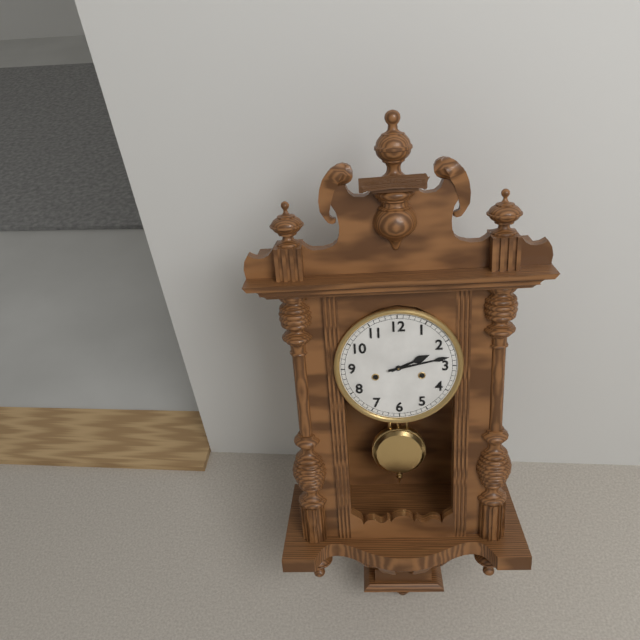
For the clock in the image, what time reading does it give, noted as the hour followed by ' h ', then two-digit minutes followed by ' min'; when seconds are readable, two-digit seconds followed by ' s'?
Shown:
2 h 13 min
